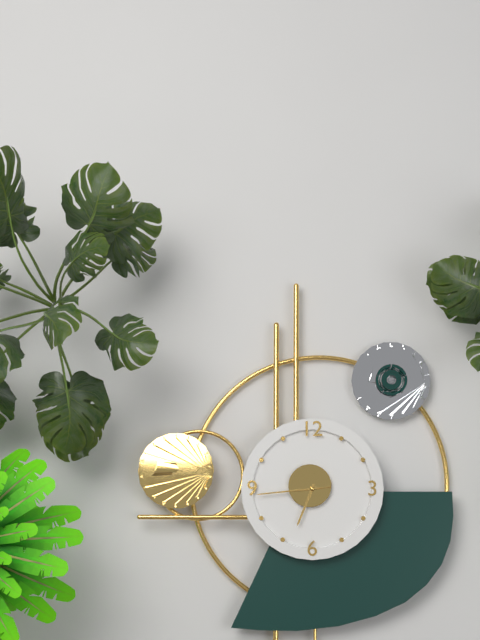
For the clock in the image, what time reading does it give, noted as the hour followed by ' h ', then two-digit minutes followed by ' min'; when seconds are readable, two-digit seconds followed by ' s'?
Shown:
6 h 44 min 44 s
